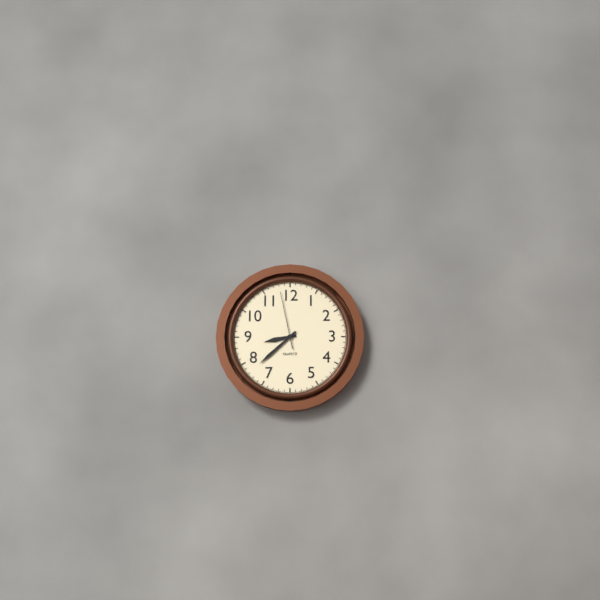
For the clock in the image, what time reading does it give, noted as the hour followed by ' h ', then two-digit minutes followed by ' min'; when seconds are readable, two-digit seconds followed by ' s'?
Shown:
8 h 38 min 58 s
